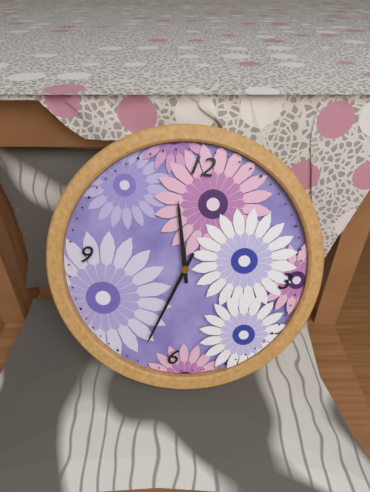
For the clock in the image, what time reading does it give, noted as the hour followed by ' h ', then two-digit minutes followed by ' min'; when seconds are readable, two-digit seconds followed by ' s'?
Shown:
11 h 33 min
